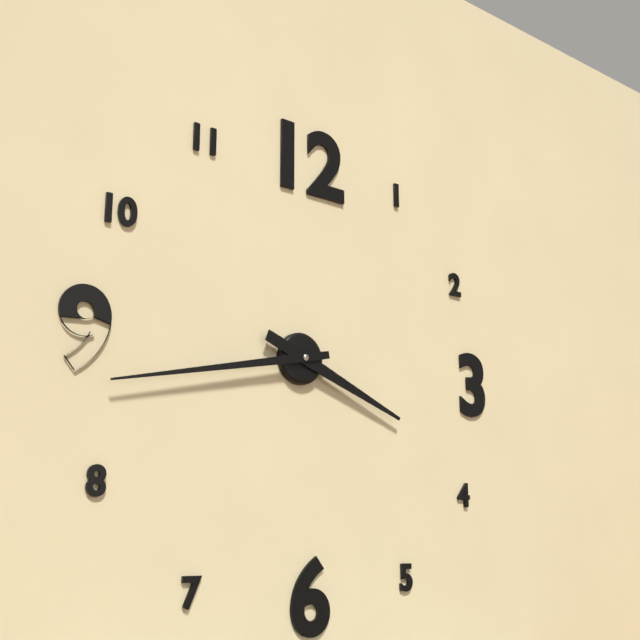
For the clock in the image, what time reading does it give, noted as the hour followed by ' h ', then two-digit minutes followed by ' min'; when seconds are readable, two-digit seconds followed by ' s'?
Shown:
3 h 43 min
